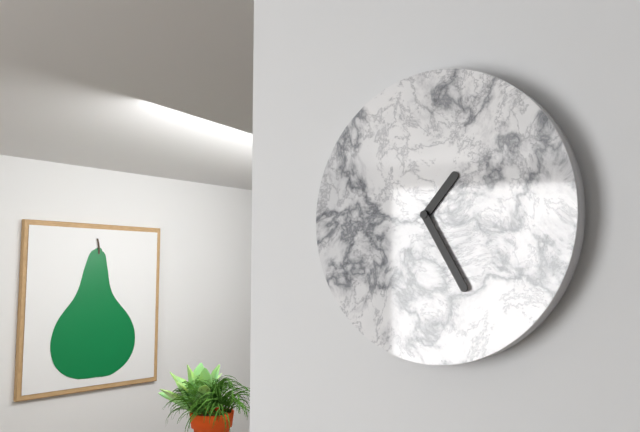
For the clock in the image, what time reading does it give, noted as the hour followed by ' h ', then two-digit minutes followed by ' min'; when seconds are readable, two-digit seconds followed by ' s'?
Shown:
1 h 25 min
